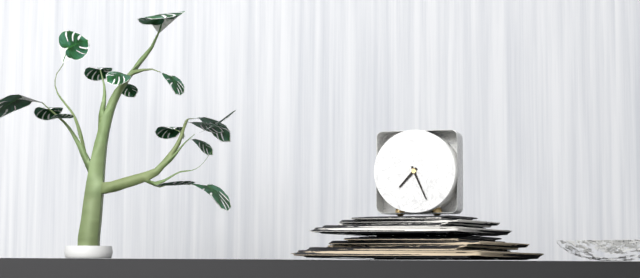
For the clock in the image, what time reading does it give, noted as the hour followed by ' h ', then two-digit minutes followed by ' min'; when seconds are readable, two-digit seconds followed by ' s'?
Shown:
7 h 26 min
